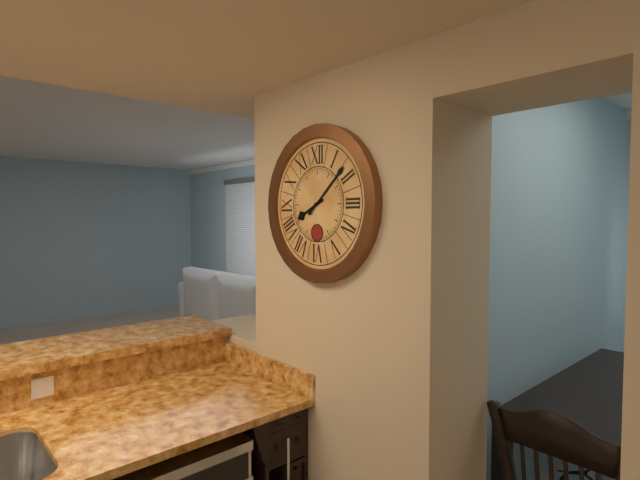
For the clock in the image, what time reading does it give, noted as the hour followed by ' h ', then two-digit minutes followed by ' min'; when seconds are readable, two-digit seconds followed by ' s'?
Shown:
8 h 08 min
